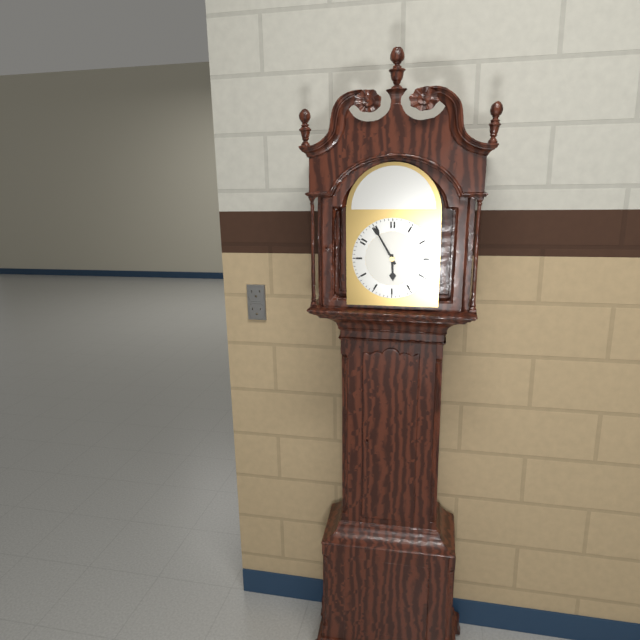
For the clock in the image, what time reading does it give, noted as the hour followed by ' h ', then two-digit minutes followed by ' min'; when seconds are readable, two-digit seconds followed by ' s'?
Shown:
5 h 55 min
